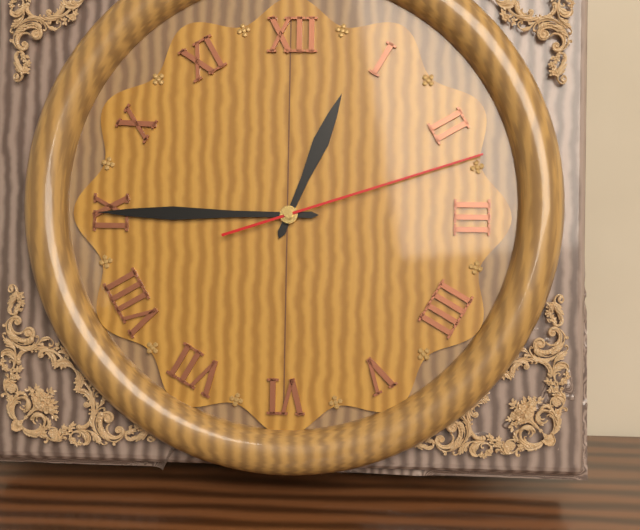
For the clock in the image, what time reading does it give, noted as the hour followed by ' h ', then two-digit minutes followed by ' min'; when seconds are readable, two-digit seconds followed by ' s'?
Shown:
12 h 45 min 12 s
